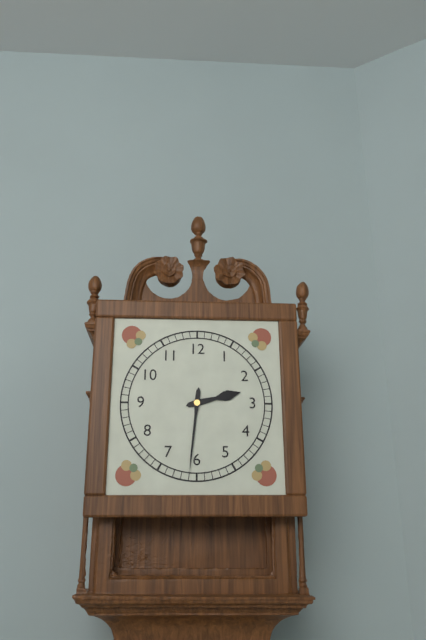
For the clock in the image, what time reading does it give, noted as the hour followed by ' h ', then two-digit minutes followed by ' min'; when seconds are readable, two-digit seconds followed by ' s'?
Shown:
2 h 31 min
